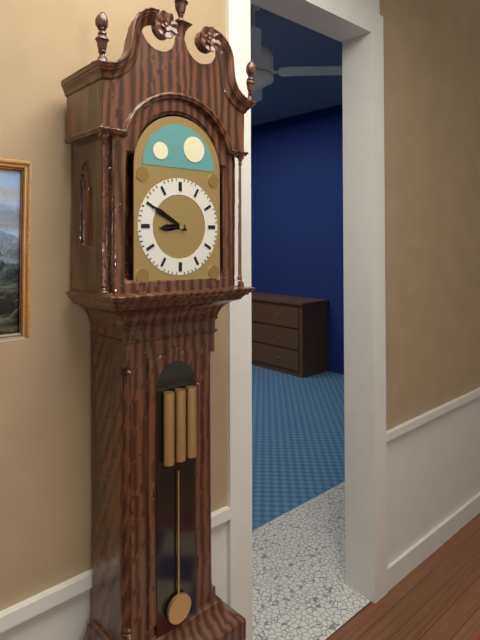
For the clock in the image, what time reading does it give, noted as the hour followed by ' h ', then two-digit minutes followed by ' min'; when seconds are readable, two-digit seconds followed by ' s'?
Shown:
8 h 50 min
